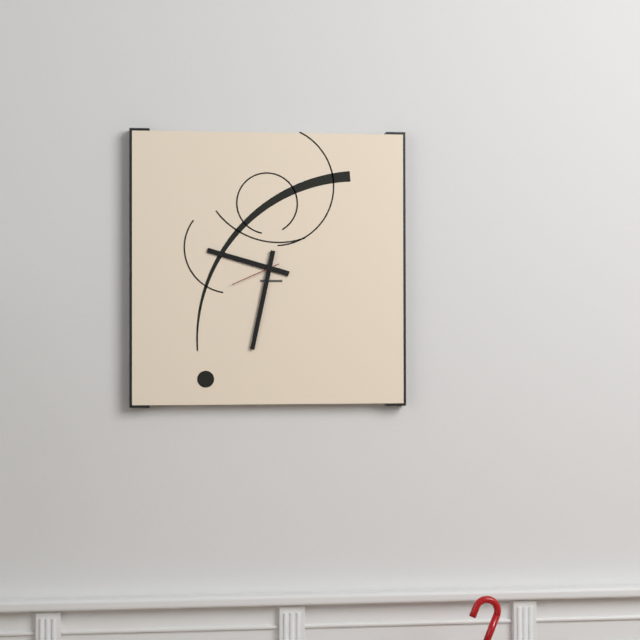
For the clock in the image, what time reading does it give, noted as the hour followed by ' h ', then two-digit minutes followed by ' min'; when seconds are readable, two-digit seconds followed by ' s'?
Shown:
9 h 32 min 41 s
